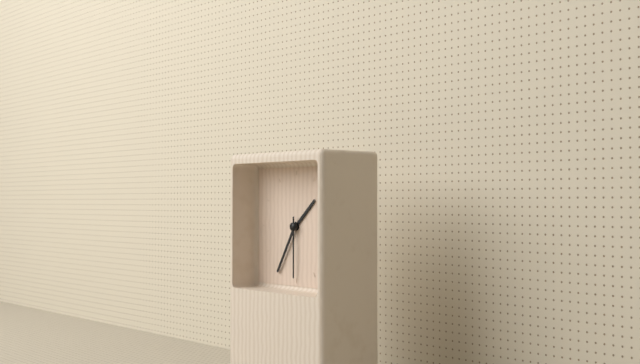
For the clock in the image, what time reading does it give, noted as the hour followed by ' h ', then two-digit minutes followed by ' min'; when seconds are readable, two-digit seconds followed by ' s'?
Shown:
1 h 35 min 30 s
